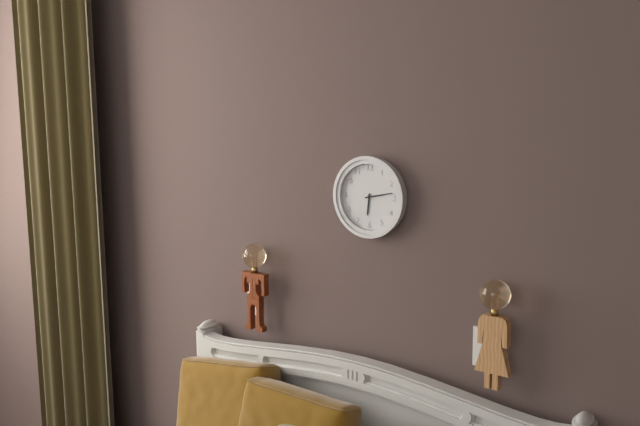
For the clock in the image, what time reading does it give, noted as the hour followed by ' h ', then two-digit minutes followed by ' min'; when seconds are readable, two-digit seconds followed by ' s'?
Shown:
6 h 13 min
